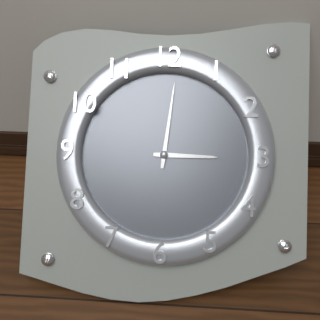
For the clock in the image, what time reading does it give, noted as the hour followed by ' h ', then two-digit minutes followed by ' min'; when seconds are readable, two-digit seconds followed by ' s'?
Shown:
3 h 01 min
